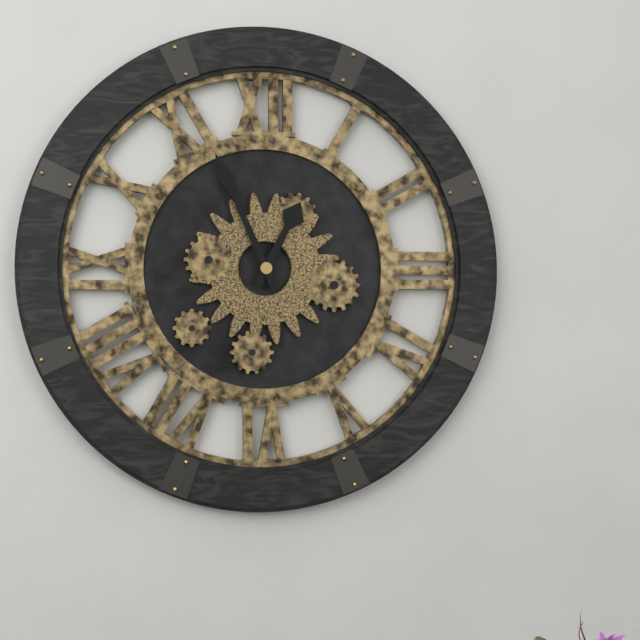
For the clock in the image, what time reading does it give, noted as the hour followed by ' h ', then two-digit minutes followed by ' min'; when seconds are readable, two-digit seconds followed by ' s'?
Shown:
12 h 56 min
